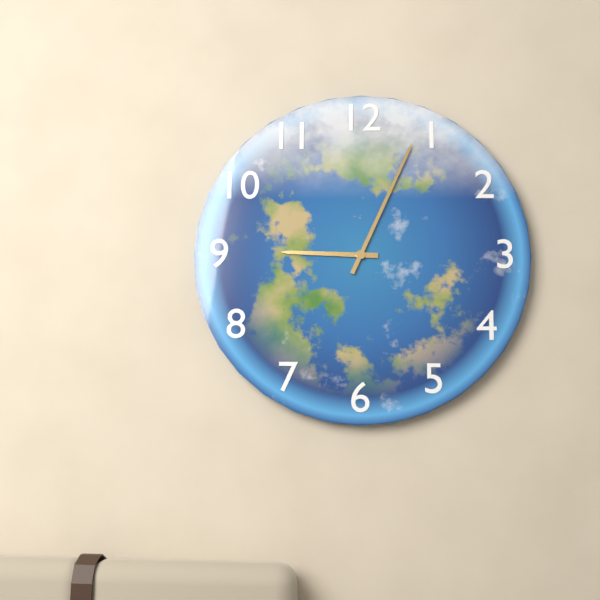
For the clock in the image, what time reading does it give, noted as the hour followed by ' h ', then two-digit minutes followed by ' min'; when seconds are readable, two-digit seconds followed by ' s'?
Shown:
9 h 04 min
